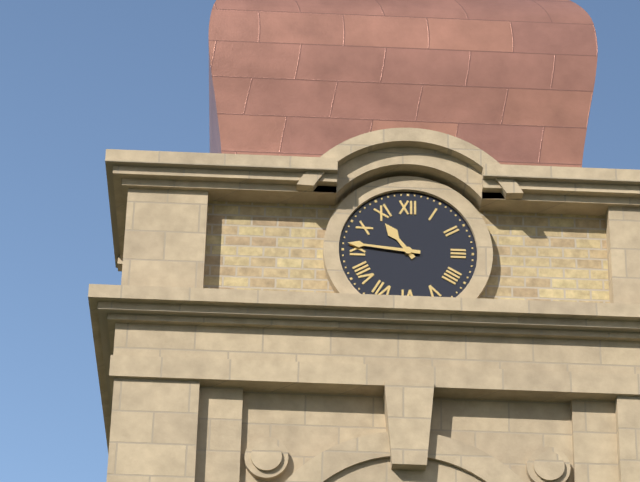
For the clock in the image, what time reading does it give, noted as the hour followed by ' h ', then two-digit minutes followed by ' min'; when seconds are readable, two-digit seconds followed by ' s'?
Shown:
10 h 46 min
